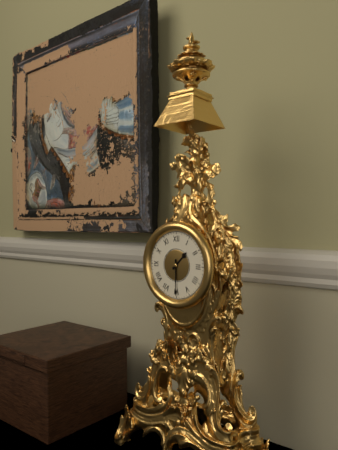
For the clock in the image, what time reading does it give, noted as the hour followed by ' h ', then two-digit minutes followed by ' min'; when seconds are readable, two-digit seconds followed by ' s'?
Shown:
1 h 30 min
